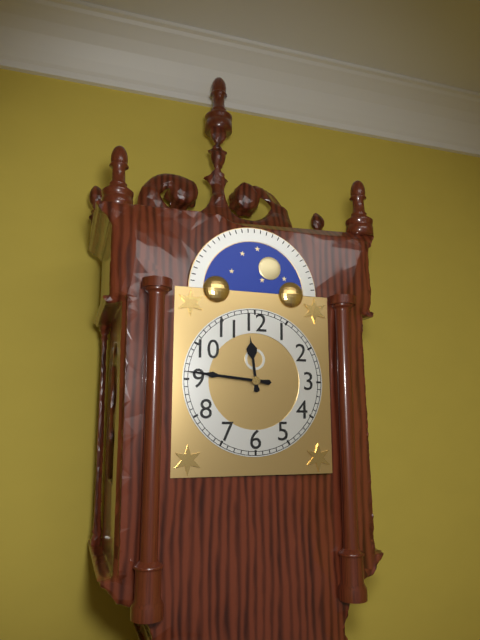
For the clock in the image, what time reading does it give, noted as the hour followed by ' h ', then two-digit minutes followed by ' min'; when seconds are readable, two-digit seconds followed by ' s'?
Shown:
11 h 46 min
